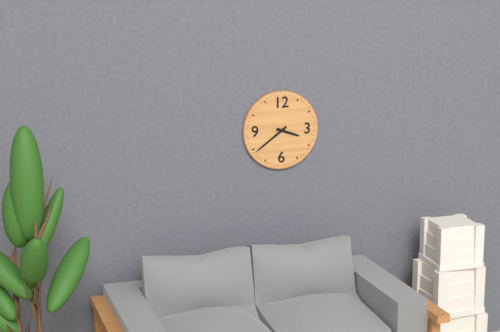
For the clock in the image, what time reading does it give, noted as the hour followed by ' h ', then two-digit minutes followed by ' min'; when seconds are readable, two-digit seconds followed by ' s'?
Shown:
3 h 39 min
